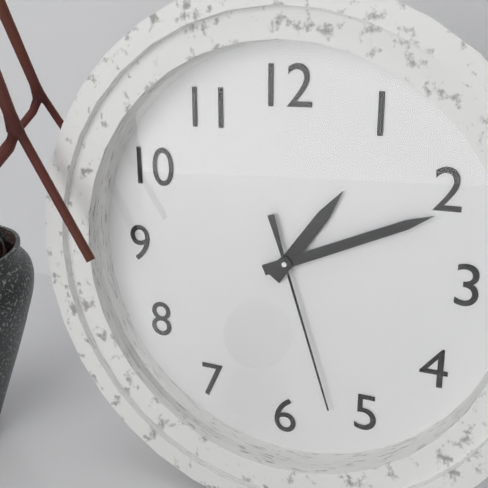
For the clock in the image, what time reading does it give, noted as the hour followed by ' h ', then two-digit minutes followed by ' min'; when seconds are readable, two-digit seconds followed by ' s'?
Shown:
1 h 11 min 27 s
